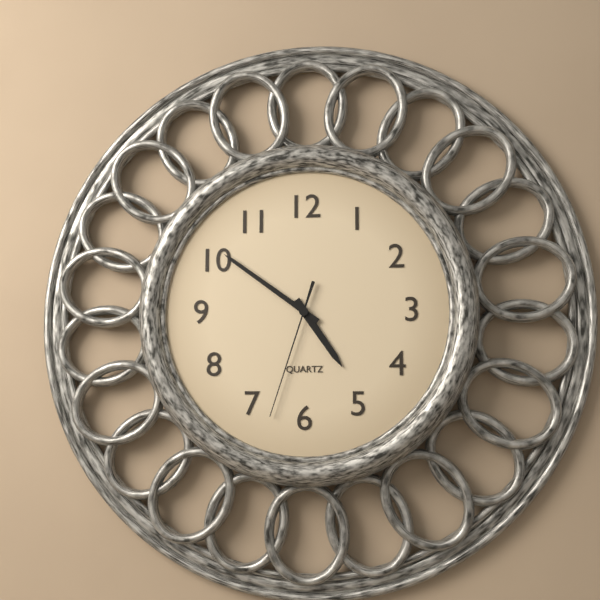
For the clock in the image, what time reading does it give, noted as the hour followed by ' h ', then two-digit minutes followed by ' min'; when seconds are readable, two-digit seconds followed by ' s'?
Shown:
4 h 51 min 33 s
